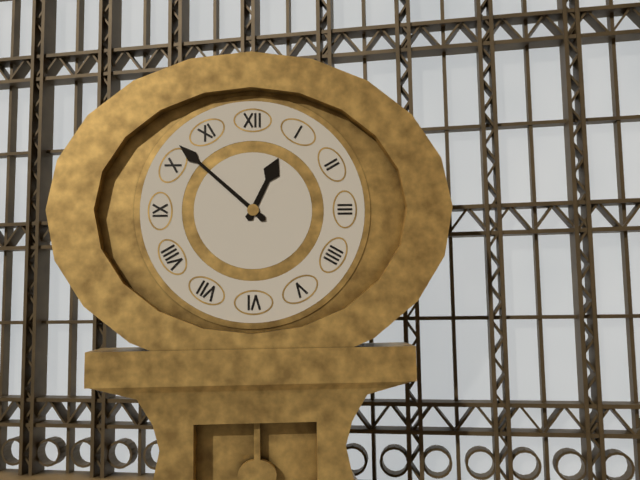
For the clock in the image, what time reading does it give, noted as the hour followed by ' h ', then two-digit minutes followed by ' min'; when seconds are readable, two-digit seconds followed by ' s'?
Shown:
12 h 52 min
